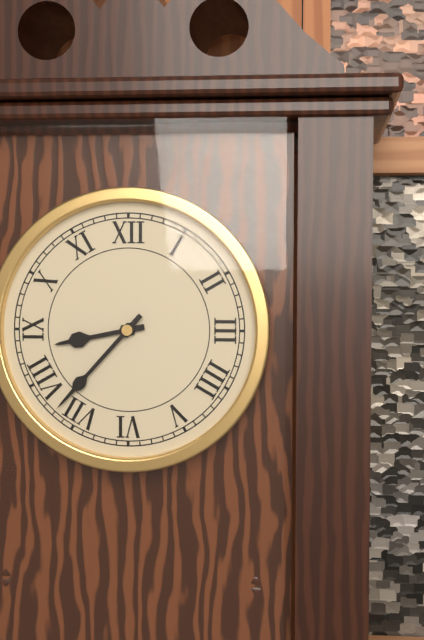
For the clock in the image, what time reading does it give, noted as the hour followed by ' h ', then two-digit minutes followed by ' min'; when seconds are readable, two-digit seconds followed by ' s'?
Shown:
8 h 37 min
